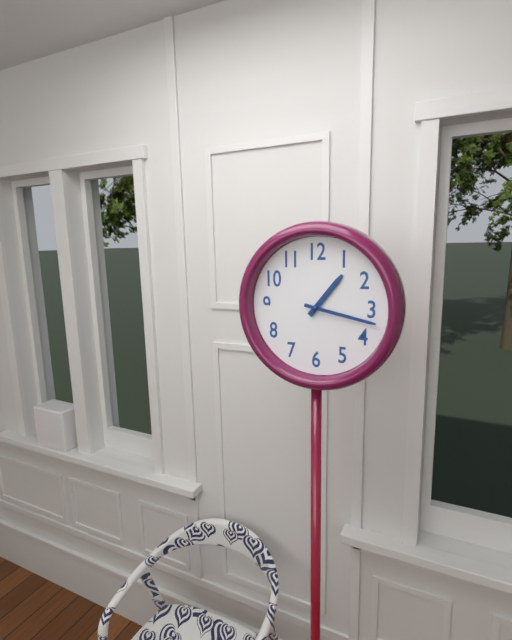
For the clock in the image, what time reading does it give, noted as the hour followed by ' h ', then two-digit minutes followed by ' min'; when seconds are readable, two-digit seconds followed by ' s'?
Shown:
1 h 17 min
